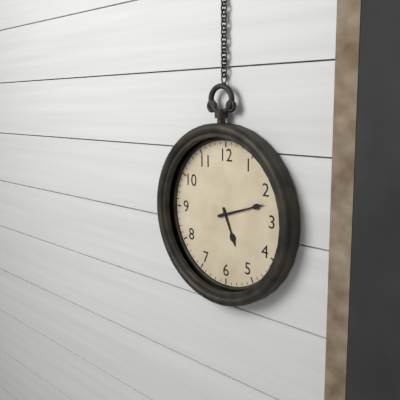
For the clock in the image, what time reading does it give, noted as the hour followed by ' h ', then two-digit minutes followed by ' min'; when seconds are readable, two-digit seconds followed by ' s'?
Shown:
5 h 12 min
